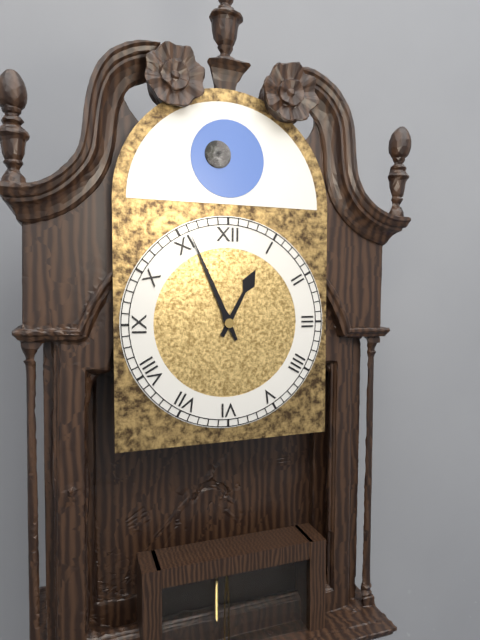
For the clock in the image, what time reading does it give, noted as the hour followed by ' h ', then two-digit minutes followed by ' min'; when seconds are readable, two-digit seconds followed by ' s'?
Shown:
12 h 56 min
